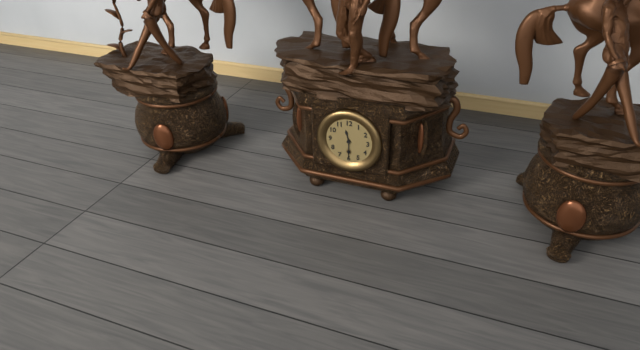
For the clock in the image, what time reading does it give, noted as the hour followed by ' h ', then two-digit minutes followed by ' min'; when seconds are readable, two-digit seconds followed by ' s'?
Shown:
11 h 30 min
